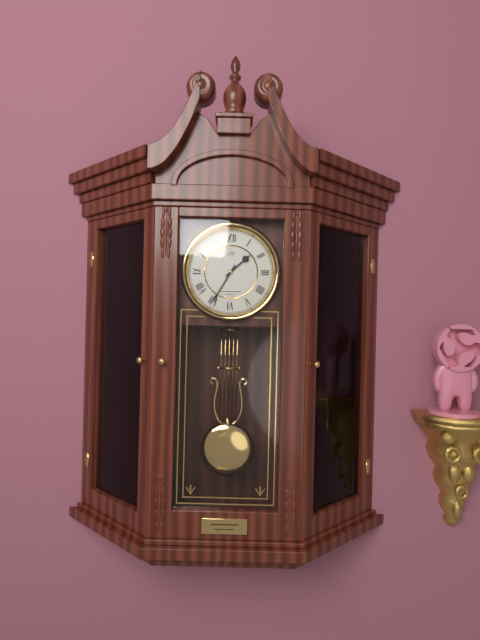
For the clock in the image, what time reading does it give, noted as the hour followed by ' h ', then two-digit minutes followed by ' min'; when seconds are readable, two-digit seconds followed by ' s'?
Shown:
1 h 35 min
